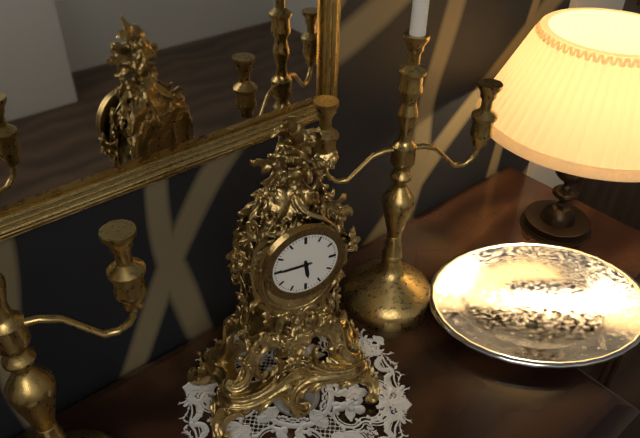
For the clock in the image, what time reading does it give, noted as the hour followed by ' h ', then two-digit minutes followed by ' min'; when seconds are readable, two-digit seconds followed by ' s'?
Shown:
5 h 45 min
